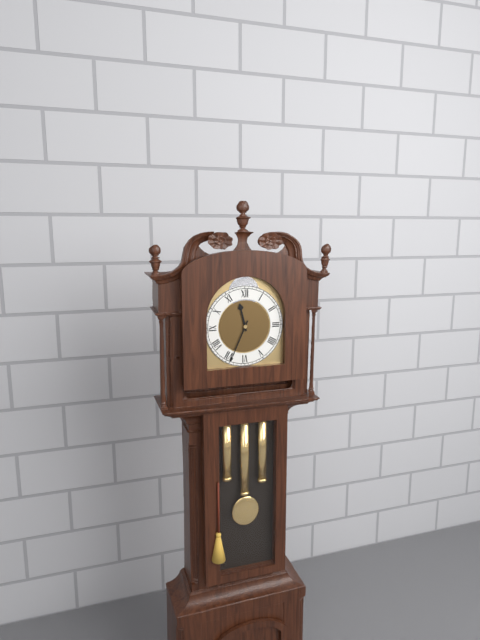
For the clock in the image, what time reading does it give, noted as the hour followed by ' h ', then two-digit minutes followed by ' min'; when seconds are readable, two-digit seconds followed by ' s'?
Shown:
11 h 34 min
